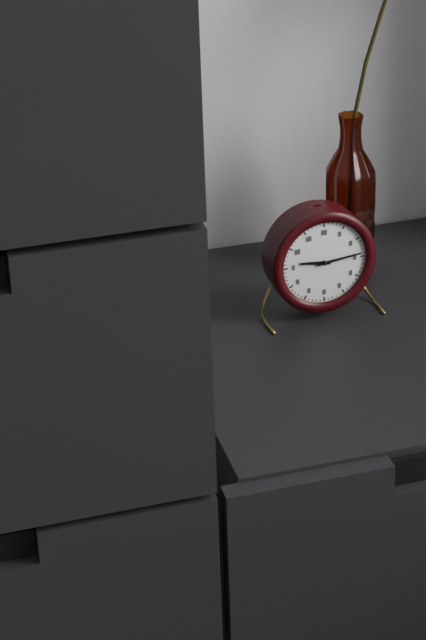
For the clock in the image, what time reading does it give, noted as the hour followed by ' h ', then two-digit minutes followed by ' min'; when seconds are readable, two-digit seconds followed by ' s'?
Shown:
9 h 14 min
